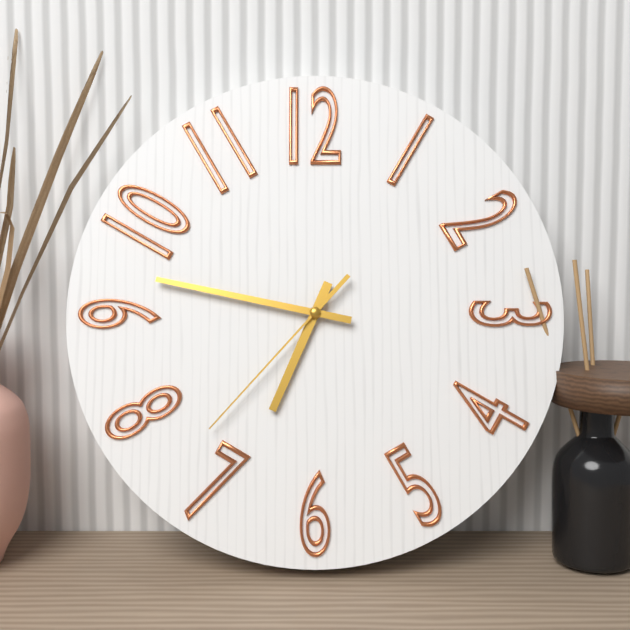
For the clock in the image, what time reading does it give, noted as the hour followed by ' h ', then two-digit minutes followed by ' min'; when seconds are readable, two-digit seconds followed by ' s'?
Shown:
6 h 47 min 37 s
